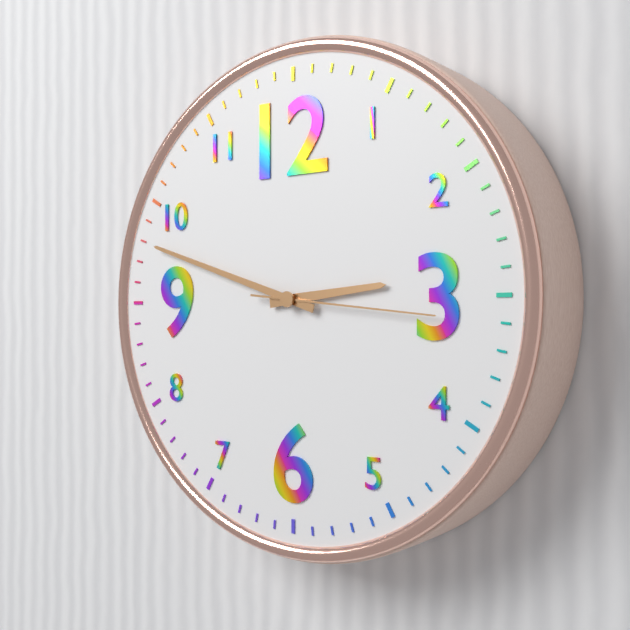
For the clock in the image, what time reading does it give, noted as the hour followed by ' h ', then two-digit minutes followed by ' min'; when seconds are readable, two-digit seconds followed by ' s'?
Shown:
2 h 48 min 16 s
